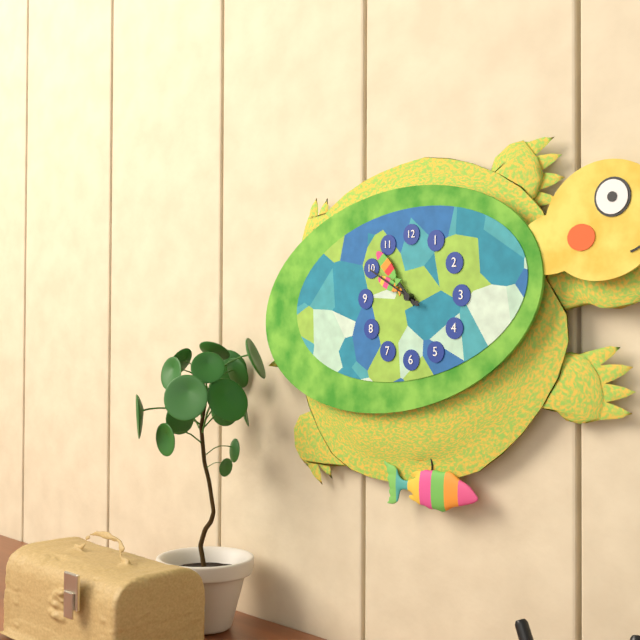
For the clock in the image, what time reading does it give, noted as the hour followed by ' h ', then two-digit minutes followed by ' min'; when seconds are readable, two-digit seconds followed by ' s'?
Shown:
9 h 53 min 50 s
